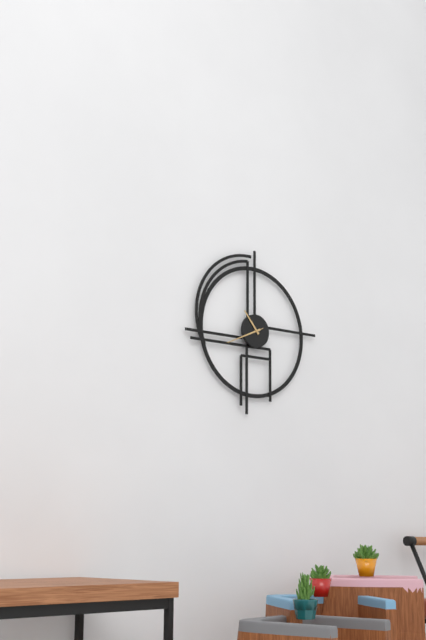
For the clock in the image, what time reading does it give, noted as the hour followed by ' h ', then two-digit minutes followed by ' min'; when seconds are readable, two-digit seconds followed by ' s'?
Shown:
10 h 41 min
